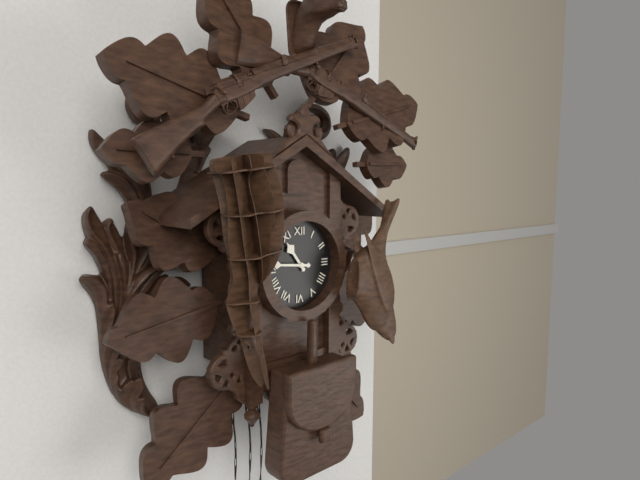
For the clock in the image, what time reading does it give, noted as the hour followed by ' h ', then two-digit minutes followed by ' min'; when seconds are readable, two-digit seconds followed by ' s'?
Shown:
10 h 46 min
